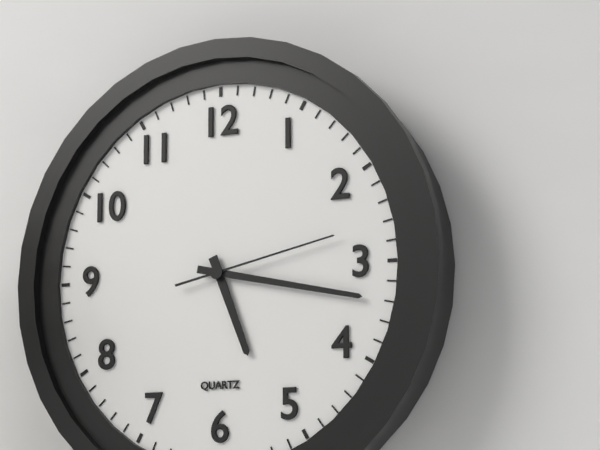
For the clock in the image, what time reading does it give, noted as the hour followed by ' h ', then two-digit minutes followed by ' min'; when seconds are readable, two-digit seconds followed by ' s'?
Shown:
5 h 17 min 13 s
